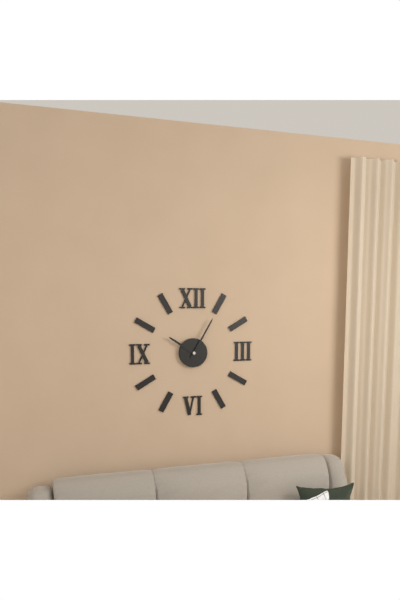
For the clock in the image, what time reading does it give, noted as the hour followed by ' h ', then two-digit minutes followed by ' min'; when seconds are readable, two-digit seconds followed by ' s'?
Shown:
10 h 05 min
